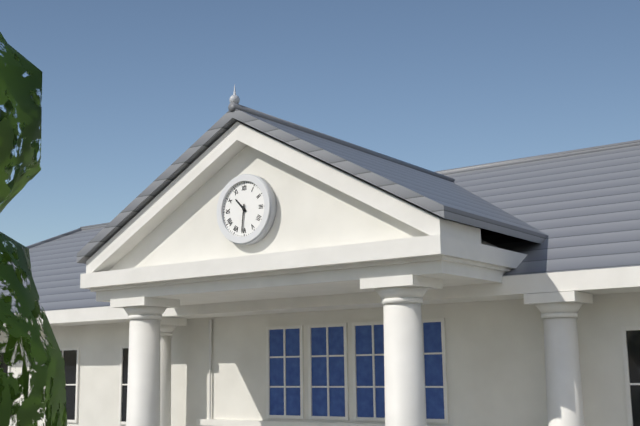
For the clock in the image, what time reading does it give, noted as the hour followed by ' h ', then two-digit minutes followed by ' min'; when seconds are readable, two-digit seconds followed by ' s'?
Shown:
10 h 31 min
